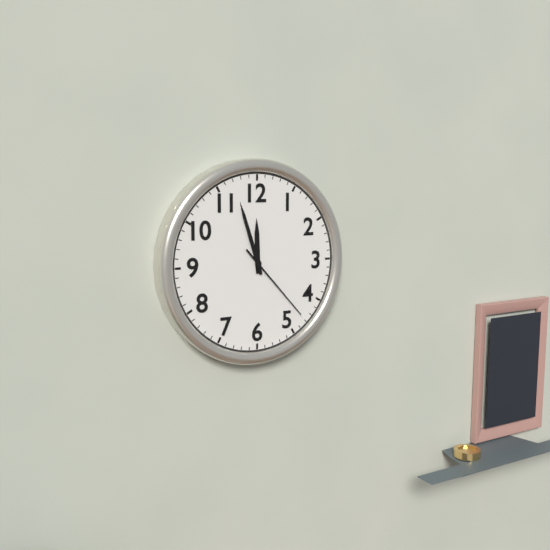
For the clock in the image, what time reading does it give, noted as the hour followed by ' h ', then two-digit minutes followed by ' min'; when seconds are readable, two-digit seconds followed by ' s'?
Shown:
11 h 57 min 23 s
